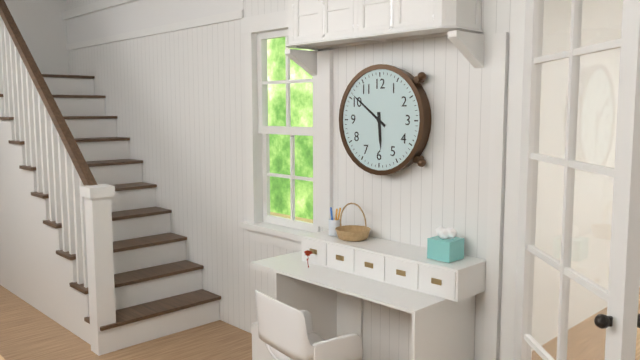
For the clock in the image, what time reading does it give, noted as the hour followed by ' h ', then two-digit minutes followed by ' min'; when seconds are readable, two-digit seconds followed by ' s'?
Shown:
5 h 51 min
